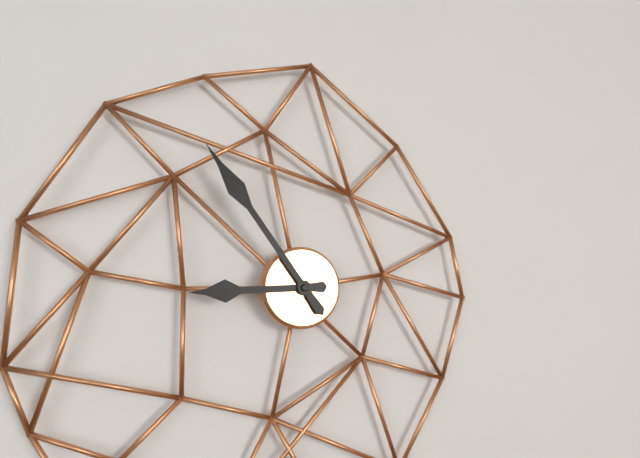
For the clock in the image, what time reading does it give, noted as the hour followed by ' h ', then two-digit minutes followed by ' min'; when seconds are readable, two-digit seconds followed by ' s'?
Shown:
8 h 54 min
